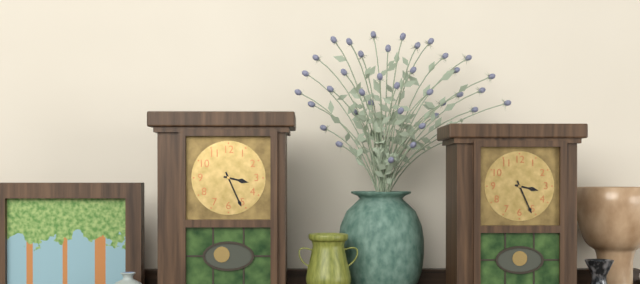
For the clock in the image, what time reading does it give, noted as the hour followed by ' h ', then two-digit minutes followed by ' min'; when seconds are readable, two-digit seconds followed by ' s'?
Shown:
3 h 26 min
